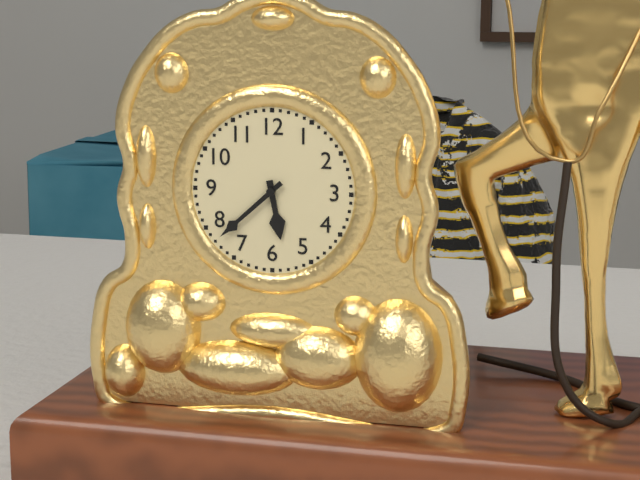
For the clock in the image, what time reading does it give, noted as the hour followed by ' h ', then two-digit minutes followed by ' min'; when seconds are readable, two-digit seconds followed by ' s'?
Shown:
5 h 38 min
